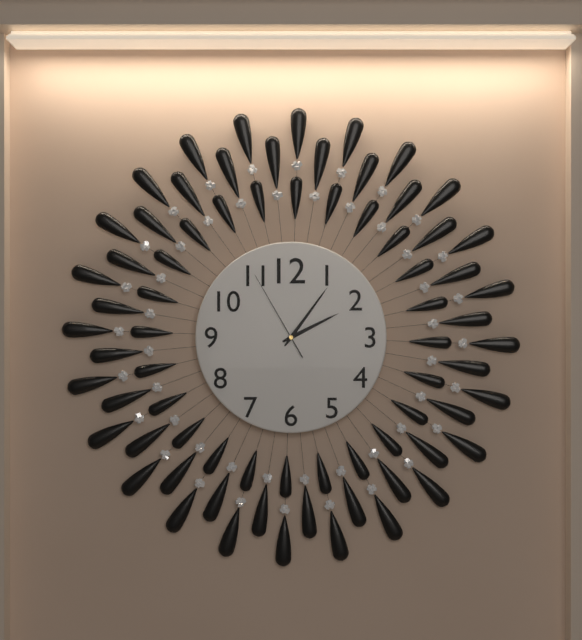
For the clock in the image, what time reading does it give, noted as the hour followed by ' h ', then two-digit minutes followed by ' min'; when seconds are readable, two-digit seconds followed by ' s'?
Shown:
2 h 06 min 55 s
